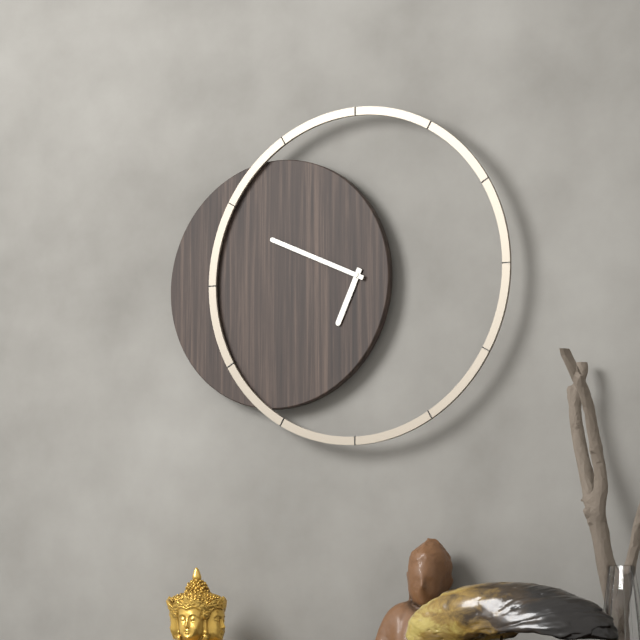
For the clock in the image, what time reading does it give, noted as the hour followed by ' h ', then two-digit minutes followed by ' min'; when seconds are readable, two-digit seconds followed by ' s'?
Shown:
6 h 49 min
